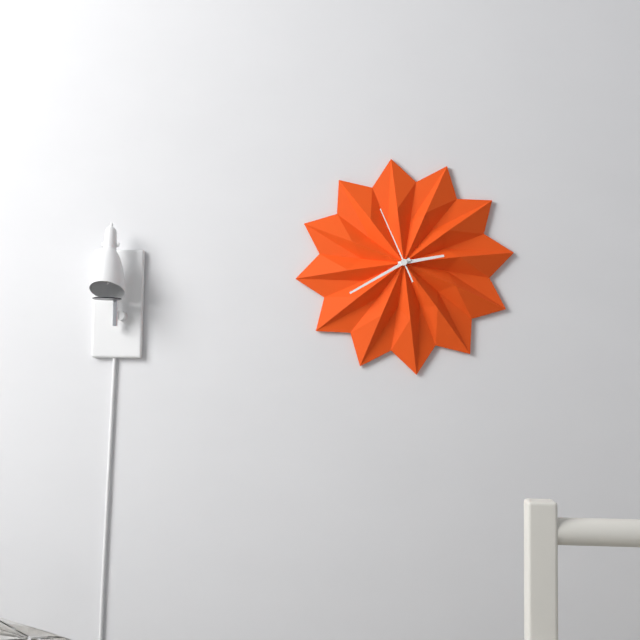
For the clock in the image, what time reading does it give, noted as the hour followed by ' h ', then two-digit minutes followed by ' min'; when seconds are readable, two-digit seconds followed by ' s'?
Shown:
2 h 40 min 56 s
